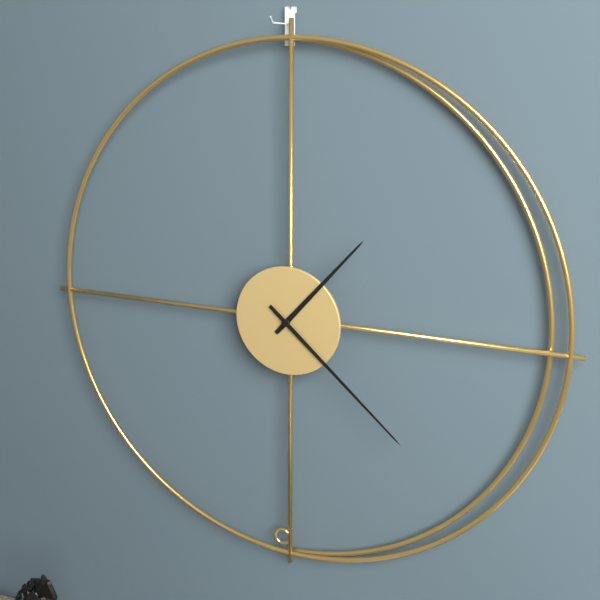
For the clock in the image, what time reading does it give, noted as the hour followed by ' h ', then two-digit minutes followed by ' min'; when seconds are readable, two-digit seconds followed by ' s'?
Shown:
1 h 22 min
